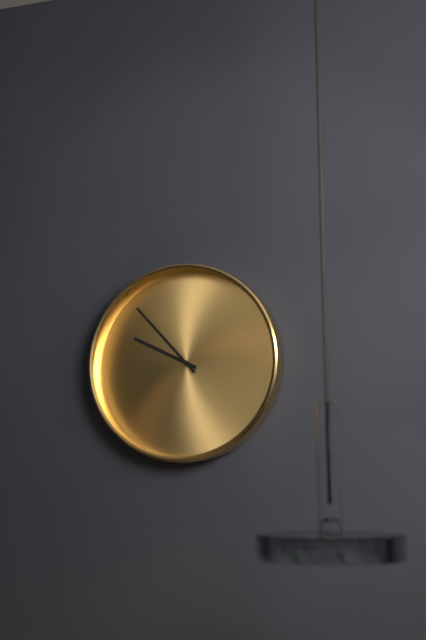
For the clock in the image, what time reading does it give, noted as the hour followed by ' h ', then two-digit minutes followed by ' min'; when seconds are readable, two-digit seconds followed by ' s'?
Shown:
9 h 53 min
